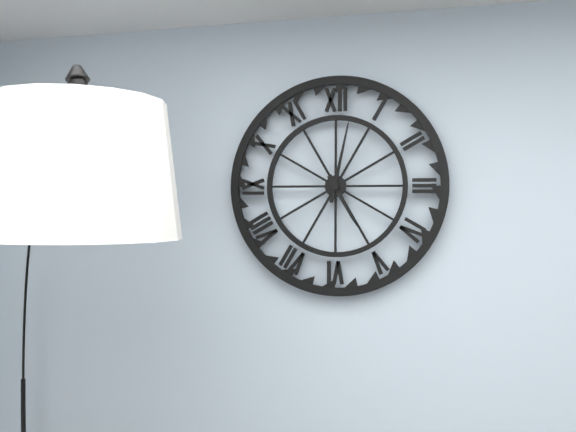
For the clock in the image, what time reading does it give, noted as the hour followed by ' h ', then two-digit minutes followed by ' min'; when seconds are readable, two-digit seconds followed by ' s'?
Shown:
5 h 02 min
